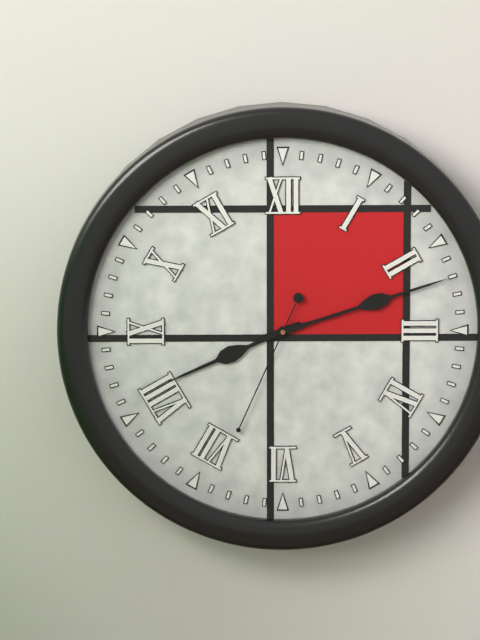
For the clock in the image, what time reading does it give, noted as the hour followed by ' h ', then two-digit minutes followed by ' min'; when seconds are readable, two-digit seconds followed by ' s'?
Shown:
8 h 12 min 34 s
